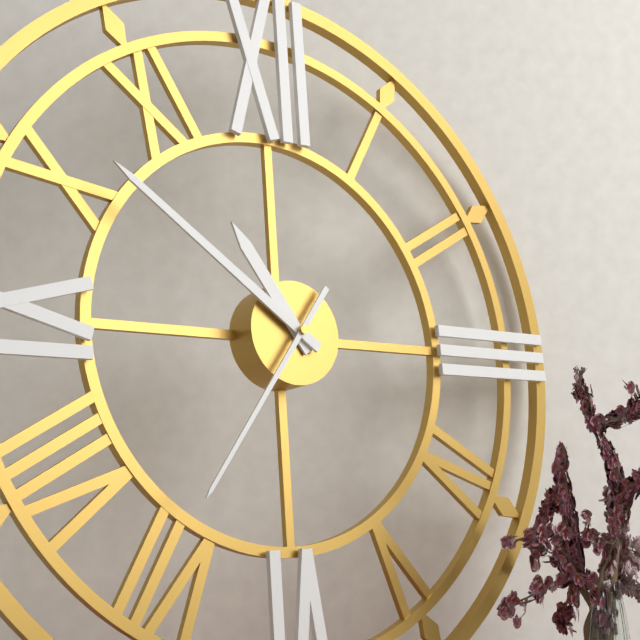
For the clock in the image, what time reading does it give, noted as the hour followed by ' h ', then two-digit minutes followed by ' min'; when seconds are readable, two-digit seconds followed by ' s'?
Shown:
10 h 51 min 36 s
